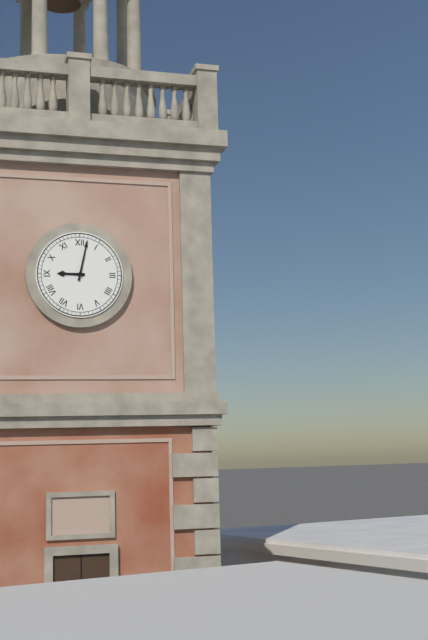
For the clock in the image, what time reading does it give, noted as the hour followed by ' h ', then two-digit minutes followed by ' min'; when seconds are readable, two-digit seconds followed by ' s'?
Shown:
9 h 02 min
